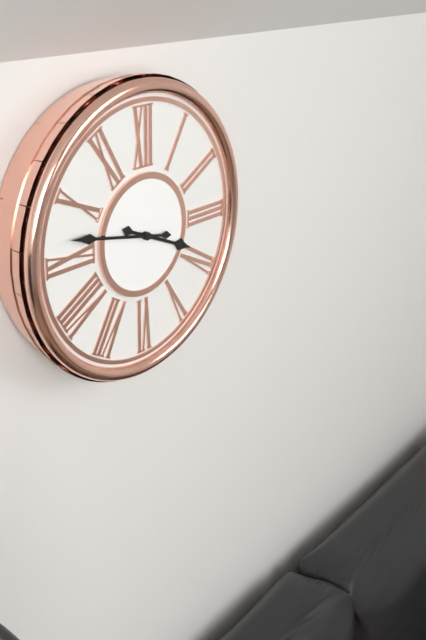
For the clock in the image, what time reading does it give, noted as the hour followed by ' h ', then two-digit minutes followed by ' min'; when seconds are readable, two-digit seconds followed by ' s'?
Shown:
3 h 47 min
